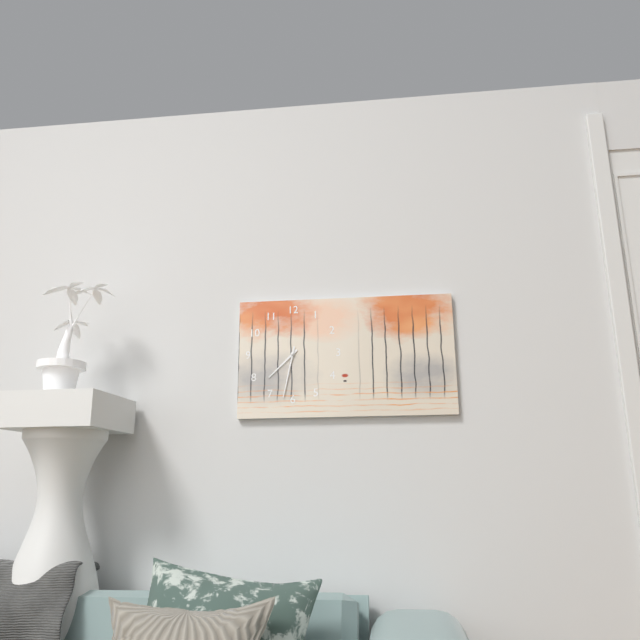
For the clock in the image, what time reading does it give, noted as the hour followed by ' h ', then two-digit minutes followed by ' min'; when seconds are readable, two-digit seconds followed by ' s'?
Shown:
7 h 32 min
